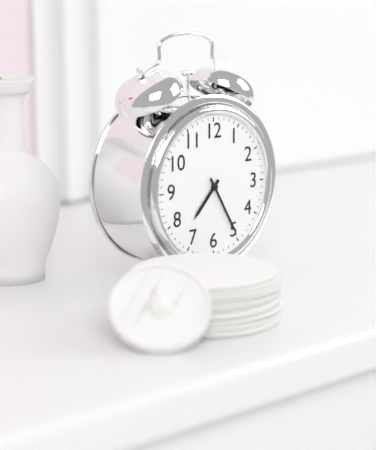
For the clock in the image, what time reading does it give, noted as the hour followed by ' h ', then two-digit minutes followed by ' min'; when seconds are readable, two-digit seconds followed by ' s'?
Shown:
7 h 25 min
